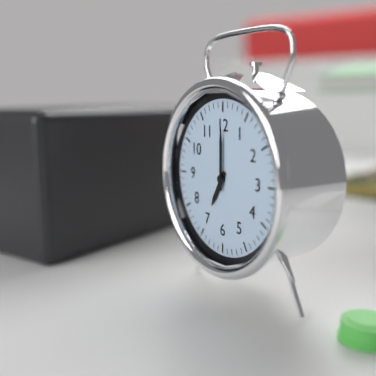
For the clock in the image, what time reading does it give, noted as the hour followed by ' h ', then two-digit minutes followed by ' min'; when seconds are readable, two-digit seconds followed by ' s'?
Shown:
7 h 00 min
